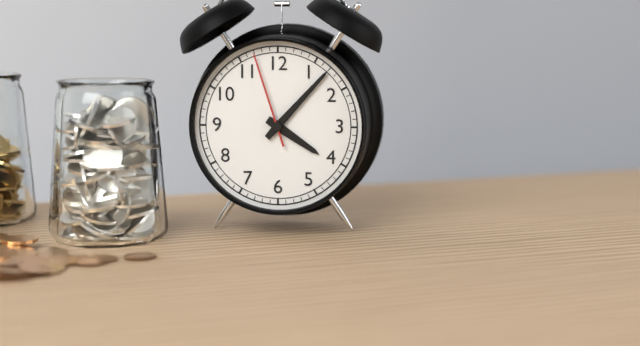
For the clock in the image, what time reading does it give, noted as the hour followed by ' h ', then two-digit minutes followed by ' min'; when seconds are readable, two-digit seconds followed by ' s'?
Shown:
4 h 07 min 57 s
